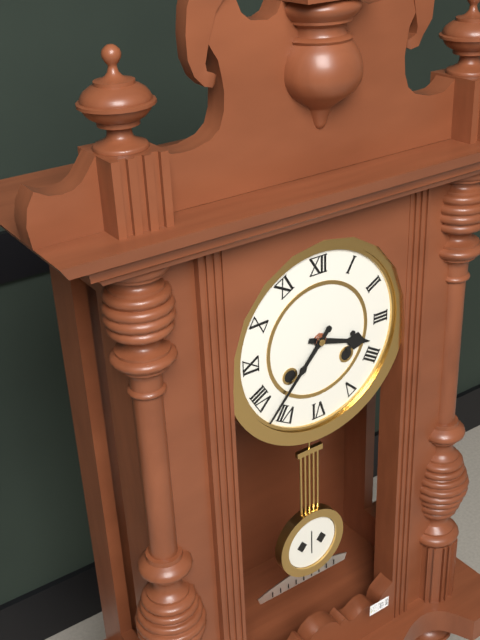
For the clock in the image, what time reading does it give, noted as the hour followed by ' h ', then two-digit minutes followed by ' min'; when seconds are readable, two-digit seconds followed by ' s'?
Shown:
3 h 37 min
